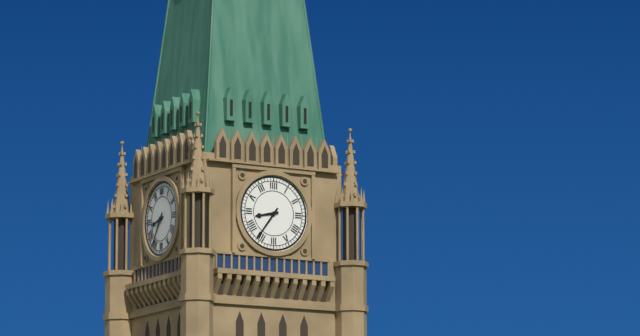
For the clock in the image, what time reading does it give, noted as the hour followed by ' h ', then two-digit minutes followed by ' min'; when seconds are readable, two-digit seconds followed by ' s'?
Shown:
8 h 36 min
